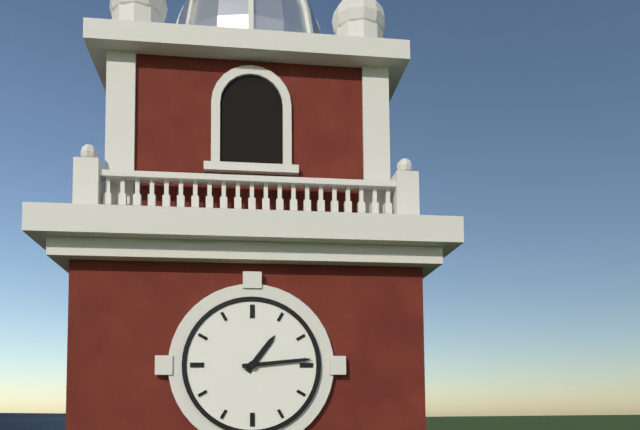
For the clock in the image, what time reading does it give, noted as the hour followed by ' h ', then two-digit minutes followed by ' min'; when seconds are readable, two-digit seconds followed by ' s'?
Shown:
1 h 14 min
